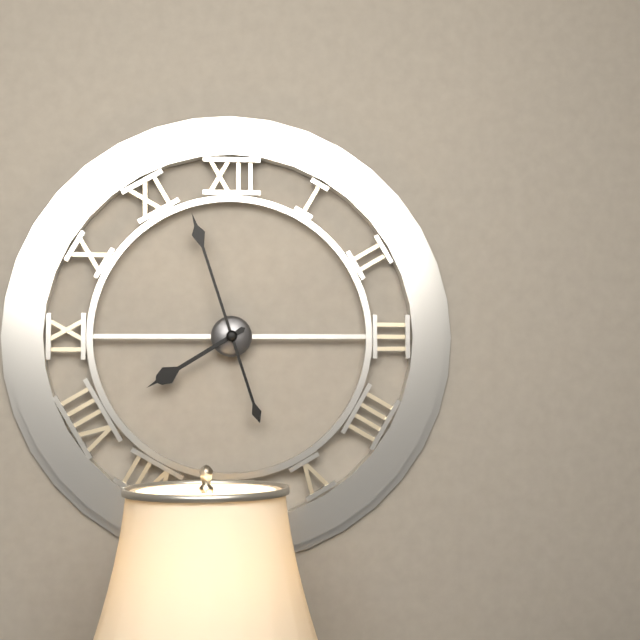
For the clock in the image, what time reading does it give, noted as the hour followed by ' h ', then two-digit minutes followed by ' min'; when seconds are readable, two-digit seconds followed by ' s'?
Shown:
7 h 57 min
